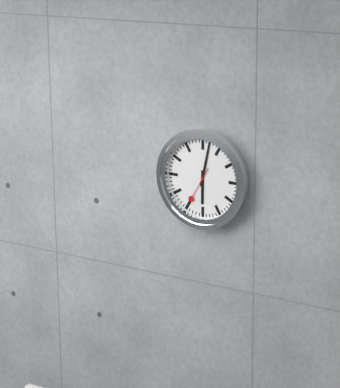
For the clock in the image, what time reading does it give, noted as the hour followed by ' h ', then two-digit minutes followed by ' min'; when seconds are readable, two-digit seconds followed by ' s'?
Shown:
6 h 02 min
